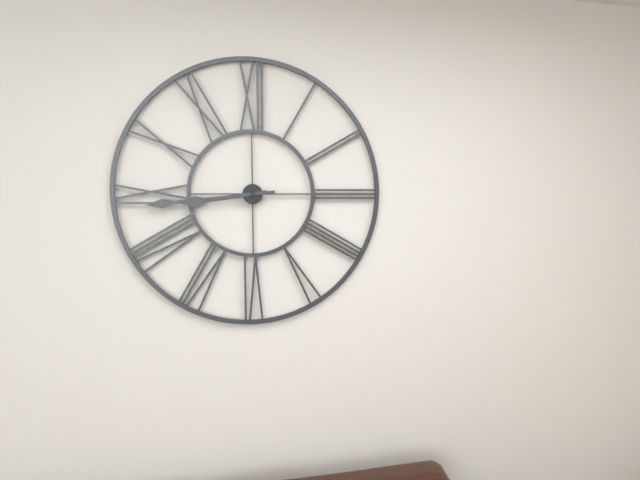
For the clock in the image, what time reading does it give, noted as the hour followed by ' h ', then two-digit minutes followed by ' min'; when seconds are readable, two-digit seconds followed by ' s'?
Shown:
8 h 44 min
